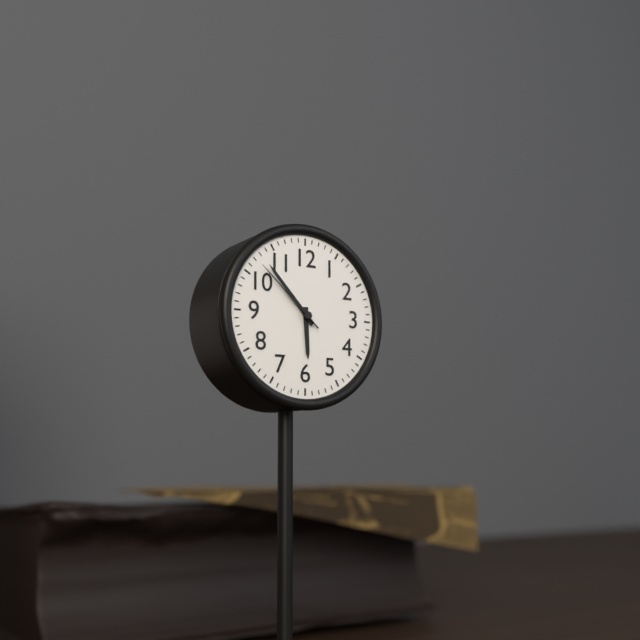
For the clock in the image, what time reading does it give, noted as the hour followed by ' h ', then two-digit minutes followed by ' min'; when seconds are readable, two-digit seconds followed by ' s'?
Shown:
5 h 53 min 52 s
